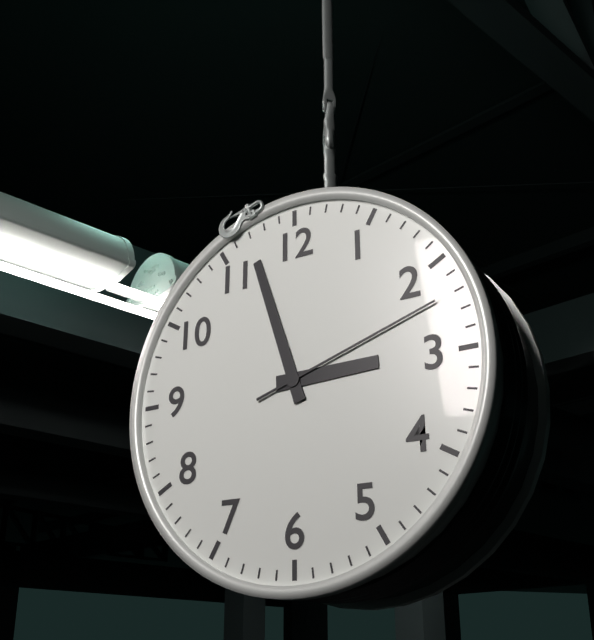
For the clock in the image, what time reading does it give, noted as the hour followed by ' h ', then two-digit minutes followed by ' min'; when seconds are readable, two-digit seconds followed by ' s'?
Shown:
2 h 57 min 12 s
